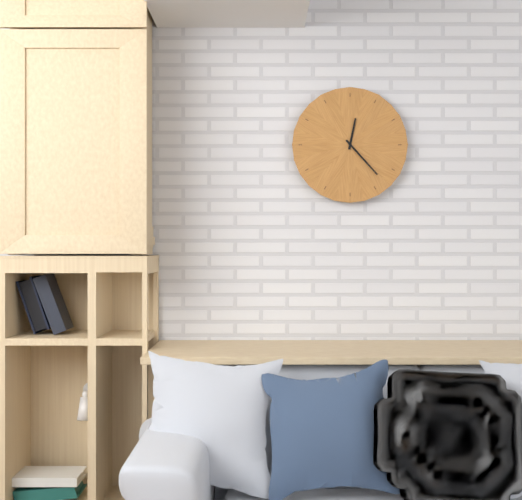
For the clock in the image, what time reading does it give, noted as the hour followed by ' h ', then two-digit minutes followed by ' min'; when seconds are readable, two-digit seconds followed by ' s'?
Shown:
12 h 23 min
